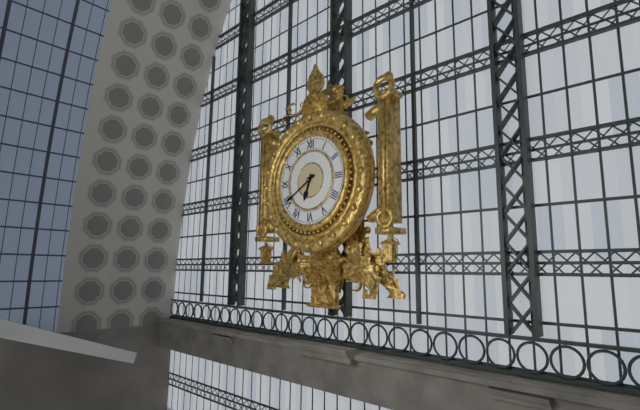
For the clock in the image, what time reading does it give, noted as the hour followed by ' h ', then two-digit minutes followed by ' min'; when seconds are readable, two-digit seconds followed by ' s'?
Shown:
6 h 40 min
